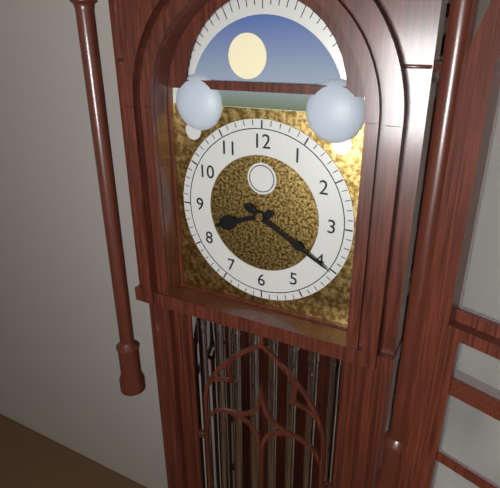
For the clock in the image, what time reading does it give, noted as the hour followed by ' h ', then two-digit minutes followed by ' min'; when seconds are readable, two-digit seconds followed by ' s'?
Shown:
8 h 20 min
